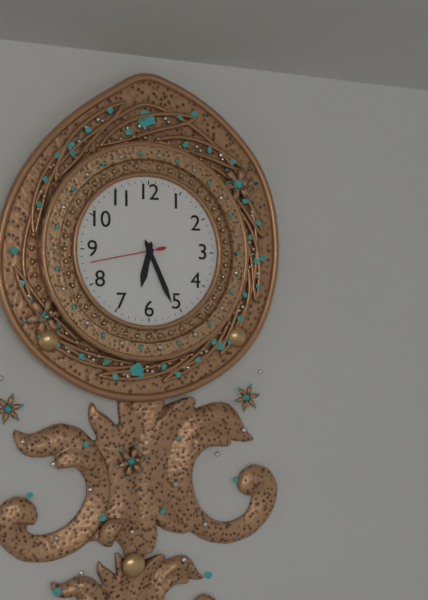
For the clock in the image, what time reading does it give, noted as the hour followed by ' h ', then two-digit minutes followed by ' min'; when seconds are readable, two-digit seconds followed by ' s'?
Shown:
6 h 26 min 43 s
